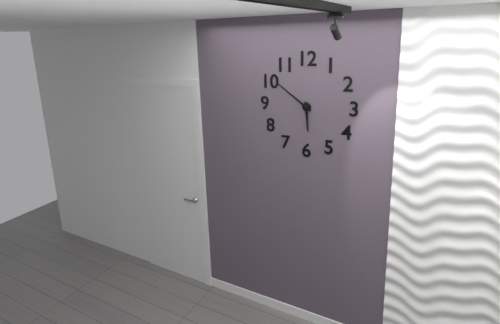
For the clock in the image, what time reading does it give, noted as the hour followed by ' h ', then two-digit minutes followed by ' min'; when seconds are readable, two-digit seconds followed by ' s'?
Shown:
5 h 51 min
